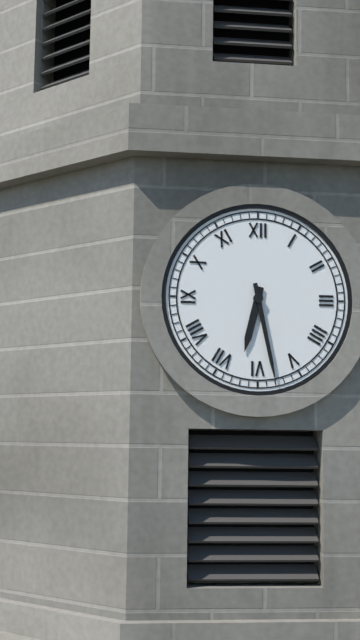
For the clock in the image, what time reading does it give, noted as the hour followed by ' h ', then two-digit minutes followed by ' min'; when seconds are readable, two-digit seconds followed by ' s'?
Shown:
6 h 28 min
